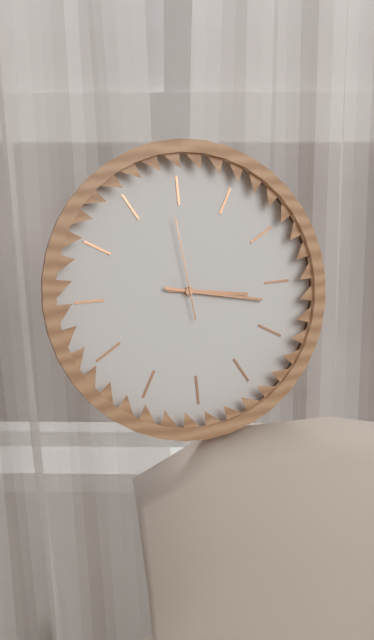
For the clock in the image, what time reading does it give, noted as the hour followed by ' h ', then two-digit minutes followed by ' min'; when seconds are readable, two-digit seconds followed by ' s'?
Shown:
3 h 17 min 59 s
